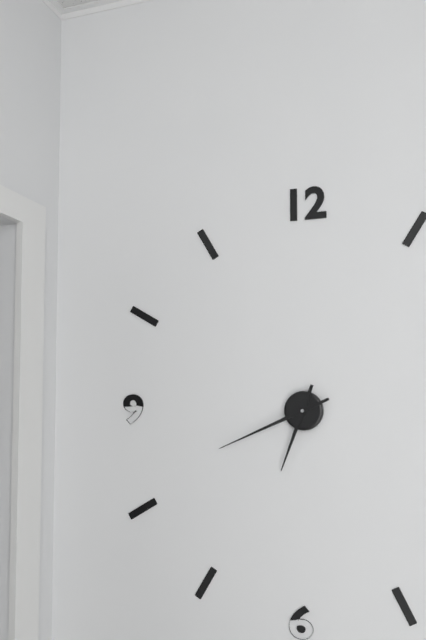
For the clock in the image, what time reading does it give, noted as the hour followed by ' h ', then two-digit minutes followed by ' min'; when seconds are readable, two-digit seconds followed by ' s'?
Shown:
6 h 41 min
